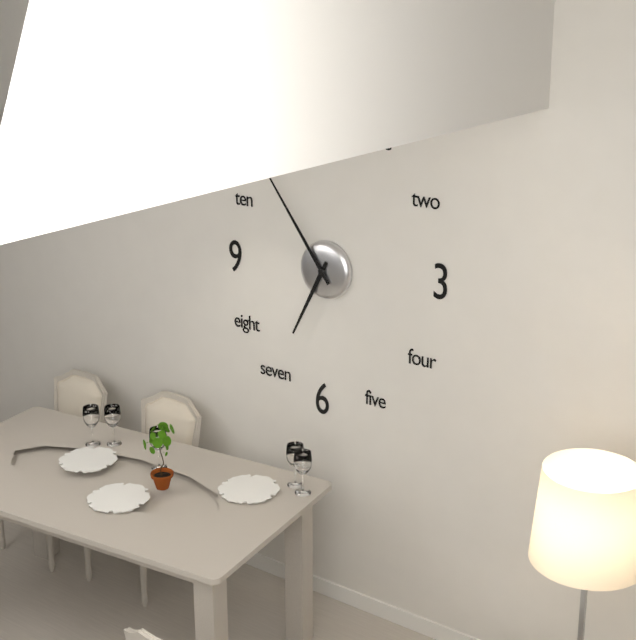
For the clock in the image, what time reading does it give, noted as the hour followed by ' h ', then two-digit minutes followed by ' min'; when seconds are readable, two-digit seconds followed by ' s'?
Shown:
6 h 54 min
